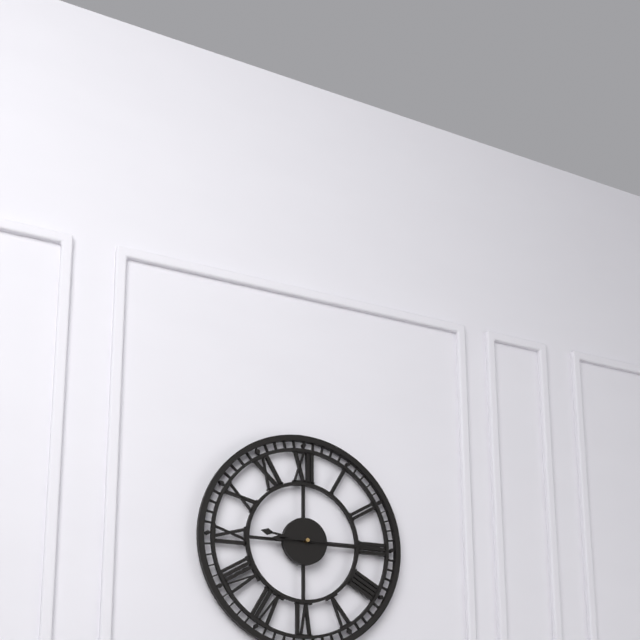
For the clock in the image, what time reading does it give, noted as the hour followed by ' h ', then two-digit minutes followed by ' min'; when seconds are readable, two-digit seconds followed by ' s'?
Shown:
9 h 15 min
